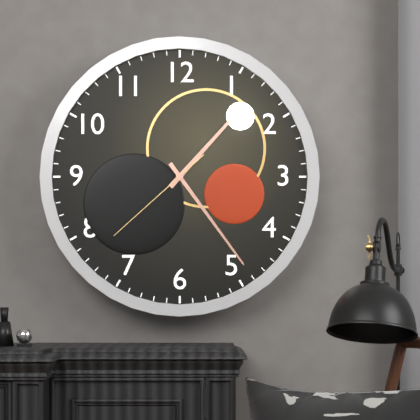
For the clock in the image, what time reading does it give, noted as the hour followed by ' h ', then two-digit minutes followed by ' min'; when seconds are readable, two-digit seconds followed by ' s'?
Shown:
1 h 24 min 38 s
